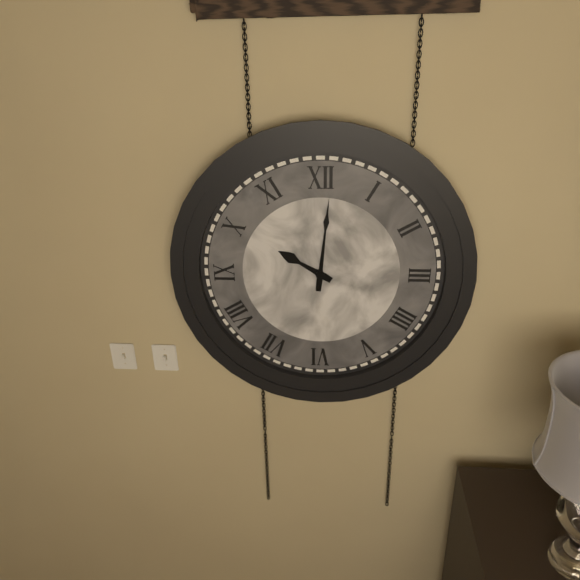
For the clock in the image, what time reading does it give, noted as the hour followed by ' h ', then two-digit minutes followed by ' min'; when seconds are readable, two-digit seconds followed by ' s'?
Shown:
10 h 01 min
